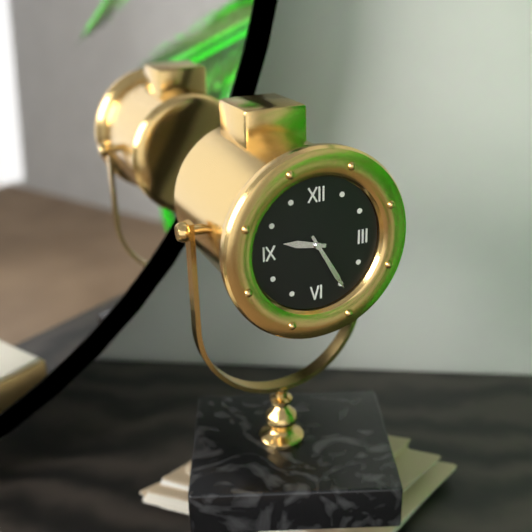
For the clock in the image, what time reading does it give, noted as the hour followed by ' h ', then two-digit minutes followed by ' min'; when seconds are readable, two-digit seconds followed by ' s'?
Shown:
9 h 25 min
